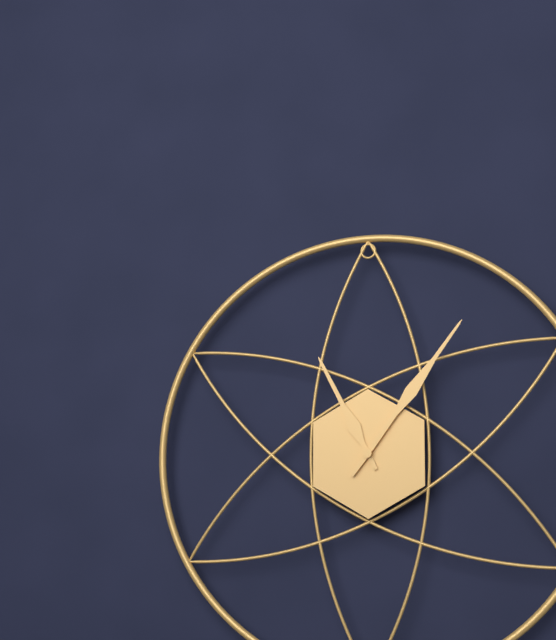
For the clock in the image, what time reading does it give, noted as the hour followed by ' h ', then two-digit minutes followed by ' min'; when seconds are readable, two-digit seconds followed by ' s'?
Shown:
11 h 06 min
